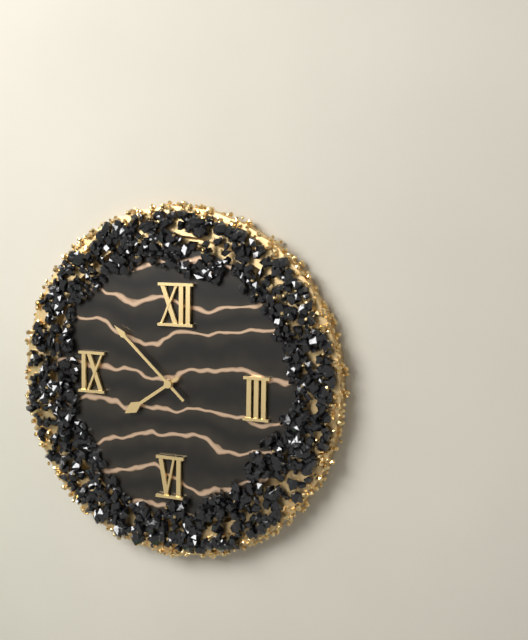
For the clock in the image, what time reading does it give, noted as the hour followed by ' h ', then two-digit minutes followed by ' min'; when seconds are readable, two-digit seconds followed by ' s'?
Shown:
7 h 52 min
